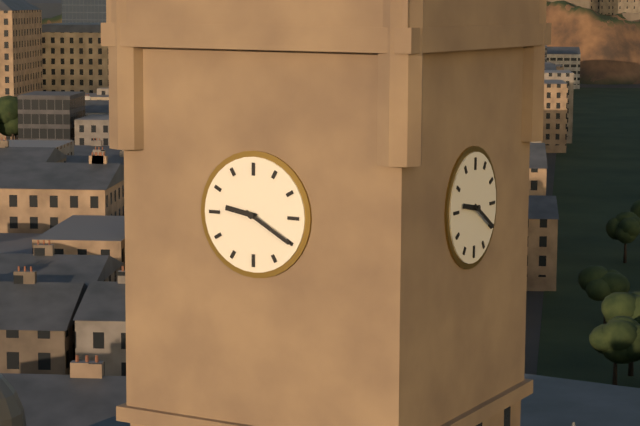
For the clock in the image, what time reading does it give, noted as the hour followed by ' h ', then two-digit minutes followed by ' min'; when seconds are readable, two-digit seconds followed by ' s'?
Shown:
9 h 20 min
